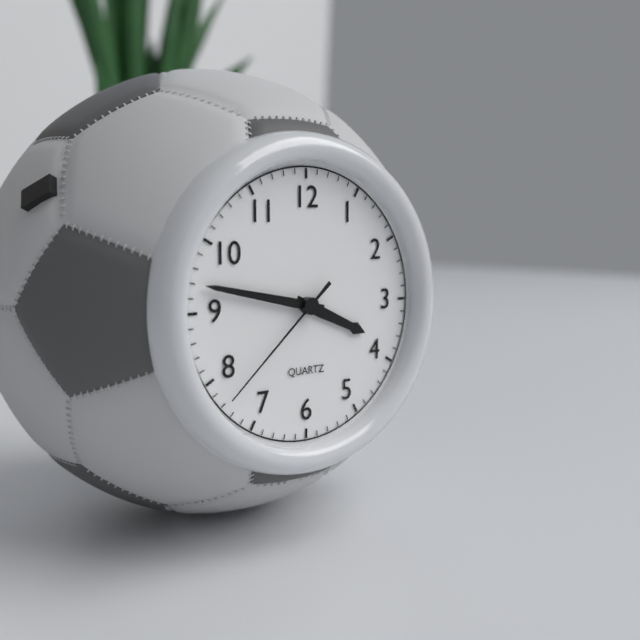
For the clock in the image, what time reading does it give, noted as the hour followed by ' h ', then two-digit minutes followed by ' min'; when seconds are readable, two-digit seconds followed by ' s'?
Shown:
3 h 47 min 38 s
